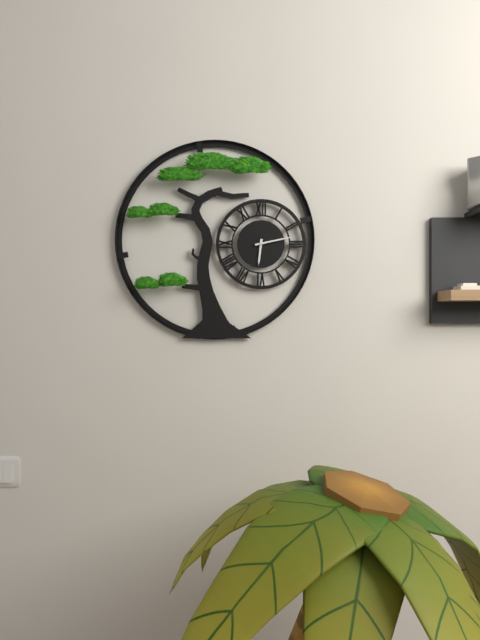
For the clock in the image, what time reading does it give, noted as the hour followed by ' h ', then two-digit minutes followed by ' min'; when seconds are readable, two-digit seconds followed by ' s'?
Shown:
6 h 13 min
